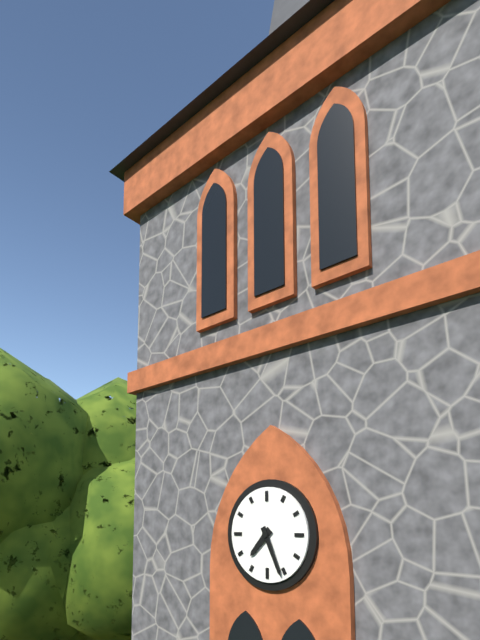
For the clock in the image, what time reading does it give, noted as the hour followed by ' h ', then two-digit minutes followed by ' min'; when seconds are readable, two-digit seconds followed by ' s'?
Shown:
7 h 26 min
